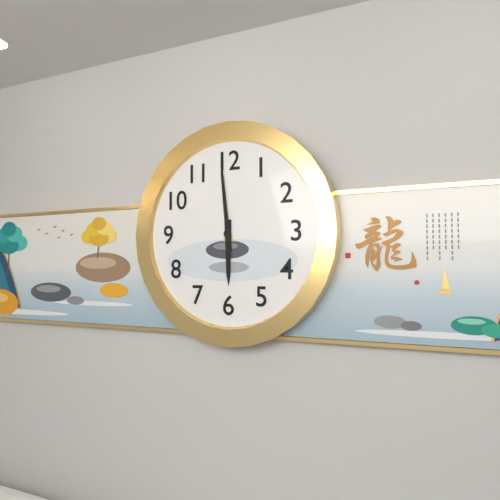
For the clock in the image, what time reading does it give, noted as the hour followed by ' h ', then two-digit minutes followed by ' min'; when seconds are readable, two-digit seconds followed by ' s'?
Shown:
5 h 59 min
